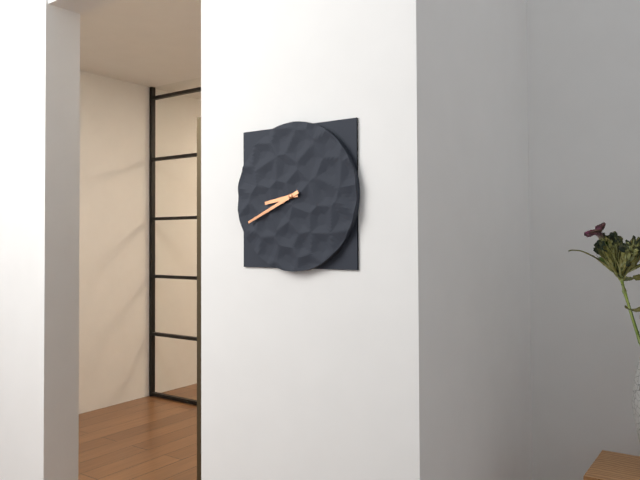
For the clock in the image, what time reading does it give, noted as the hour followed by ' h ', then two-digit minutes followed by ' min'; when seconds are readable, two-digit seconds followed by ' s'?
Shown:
8 h 41 min
